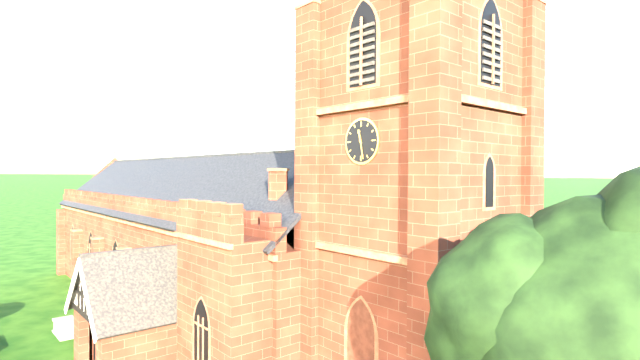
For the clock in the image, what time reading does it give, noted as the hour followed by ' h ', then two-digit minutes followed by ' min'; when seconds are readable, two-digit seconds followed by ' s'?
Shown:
11 h 28 min
